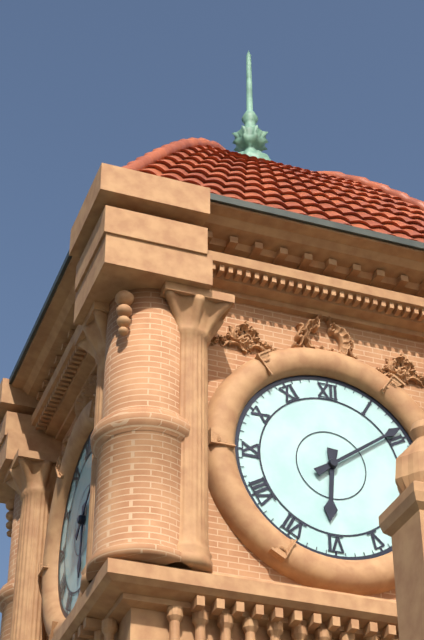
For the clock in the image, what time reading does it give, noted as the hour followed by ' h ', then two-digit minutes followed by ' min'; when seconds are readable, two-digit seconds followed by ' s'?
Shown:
6 h 09 min
